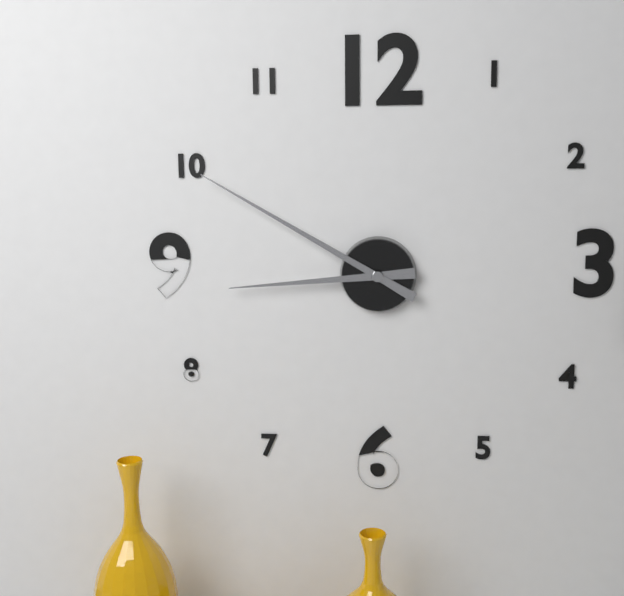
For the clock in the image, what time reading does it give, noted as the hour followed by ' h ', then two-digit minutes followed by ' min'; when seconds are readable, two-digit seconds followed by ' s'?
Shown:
8 h 50 min
